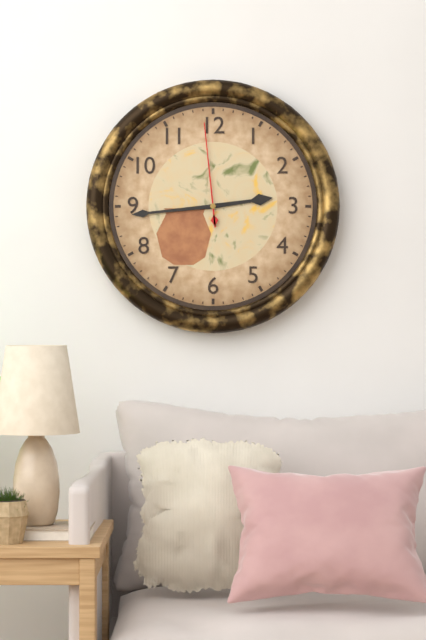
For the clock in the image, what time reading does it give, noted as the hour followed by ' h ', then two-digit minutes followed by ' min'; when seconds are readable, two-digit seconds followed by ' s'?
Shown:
2 h 44 min 59 s
